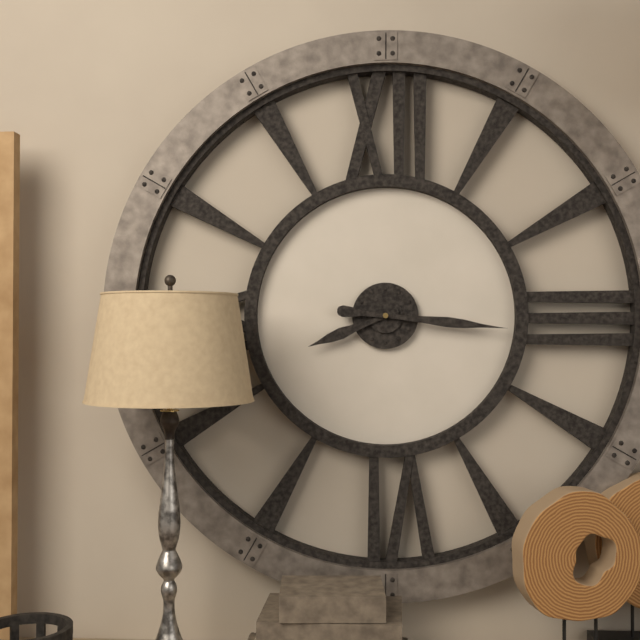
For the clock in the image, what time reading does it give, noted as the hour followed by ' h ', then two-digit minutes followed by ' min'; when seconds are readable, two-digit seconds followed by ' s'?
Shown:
8 h 16 min
